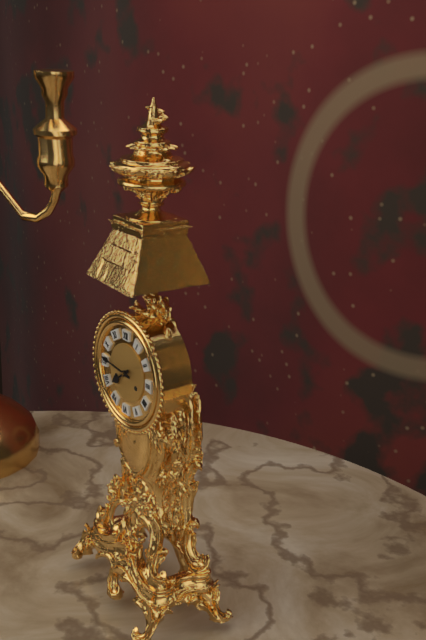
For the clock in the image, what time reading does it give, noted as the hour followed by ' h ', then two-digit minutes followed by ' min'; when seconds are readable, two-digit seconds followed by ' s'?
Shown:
7 h 46 min
